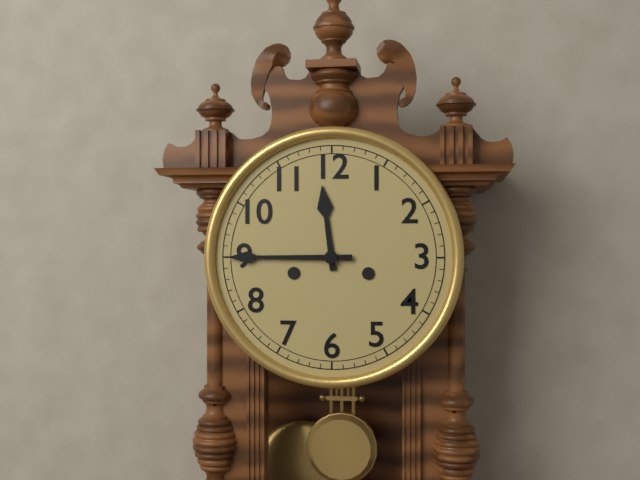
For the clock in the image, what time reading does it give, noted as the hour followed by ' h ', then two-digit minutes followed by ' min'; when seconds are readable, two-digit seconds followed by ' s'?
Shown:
11 h 45 min
